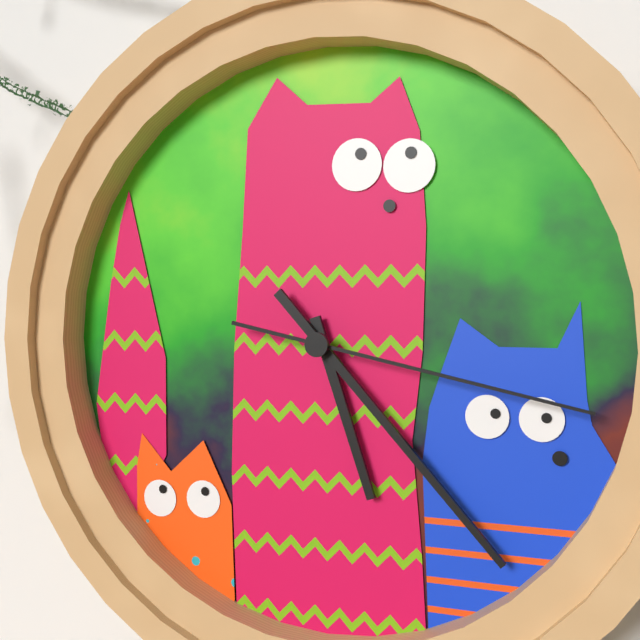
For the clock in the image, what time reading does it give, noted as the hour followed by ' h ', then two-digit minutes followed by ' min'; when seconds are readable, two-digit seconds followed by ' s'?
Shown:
5 h 23 min 17 s
